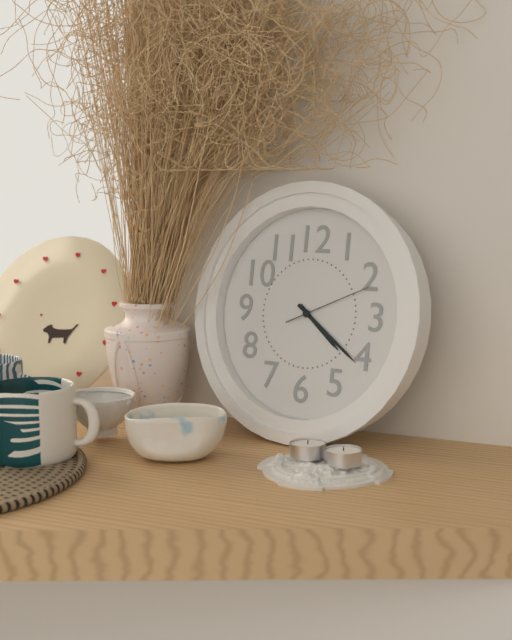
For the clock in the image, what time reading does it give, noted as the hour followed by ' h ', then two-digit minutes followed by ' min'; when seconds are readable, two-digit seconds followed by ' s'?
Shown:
4 h 21 min 11 s
